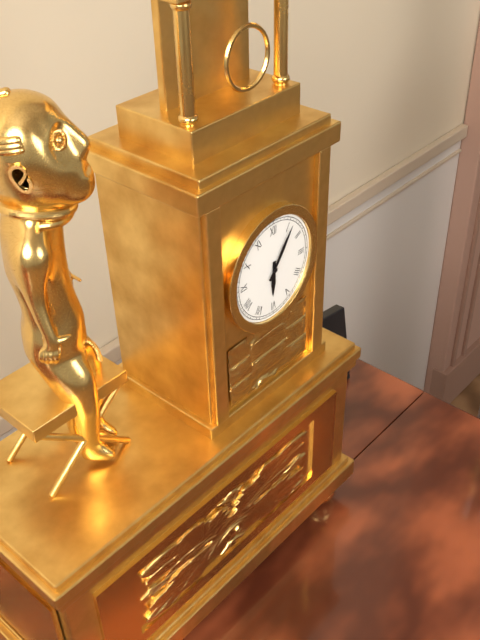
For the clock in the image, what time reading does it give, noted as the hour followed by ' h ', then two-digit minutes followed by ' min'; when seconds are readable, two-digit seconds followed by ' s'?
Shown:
6 h 06 min
